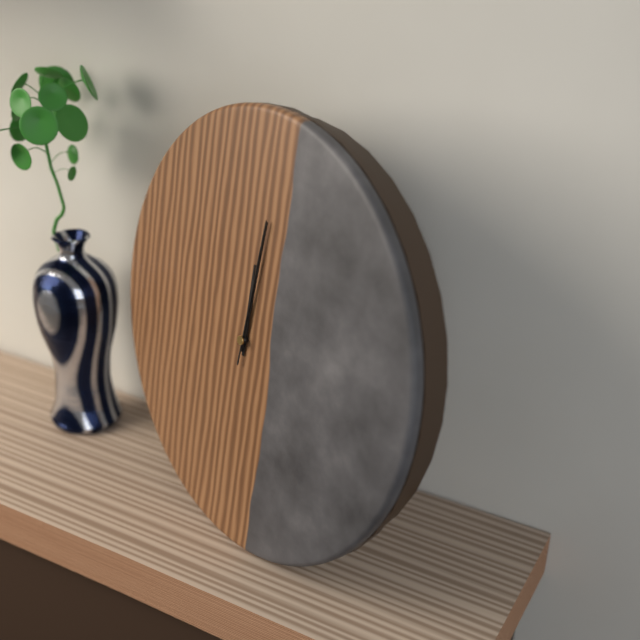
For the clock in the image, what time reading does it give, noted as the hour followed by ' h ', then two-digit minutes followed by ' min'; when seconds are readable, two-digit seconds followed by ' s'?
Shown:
12 h 01 min 01 s
